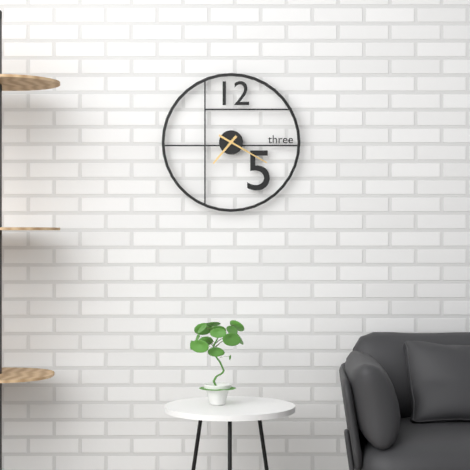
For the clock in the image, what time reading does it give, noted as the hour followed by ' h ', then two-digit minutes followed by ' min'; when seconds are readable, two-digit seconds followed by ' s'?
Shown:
7 h 20 min
